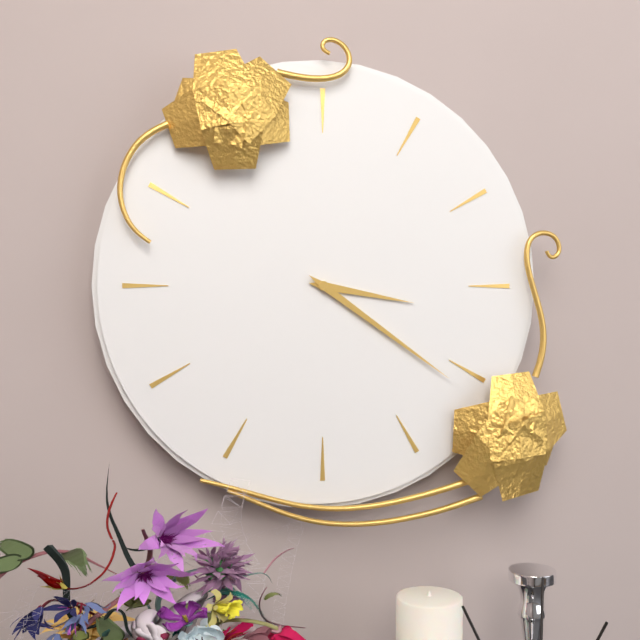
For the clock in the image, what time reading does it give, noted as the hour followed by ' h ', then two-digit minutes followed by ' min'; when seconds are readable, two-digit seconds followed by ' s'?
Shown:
3 h 21 min
